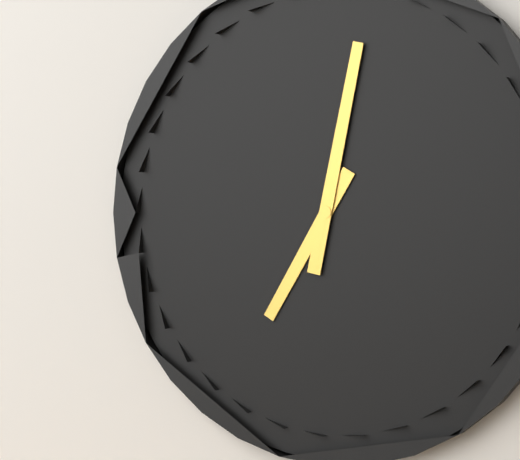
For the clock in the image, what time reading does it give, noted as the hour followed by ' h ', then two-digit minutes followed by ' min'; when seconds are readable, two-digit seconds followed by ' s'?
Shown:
7 h 02 min
